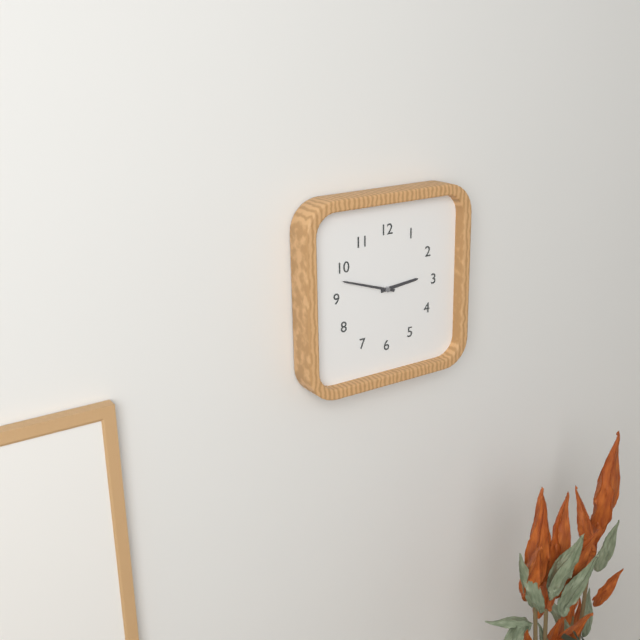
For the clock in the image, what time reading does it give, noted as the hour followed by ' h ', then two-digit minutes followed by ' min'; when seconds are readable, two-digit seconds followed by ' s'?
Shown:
2 h 48 min
